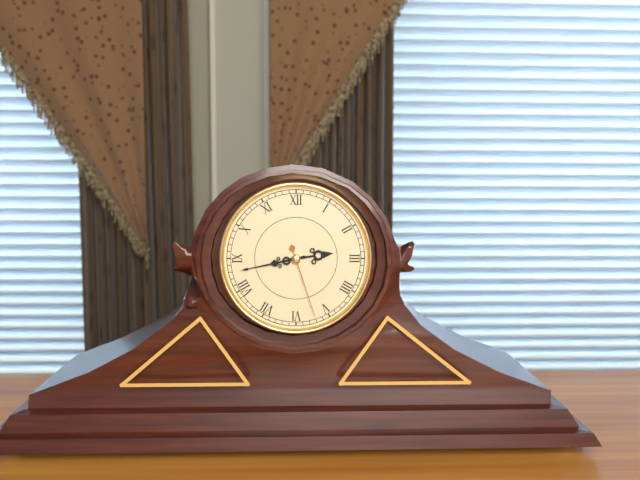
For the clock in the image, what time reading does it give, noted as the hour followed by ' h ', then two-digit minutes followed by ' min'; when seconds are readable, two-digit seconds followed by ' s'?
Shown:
2 h 43 min 27 s
